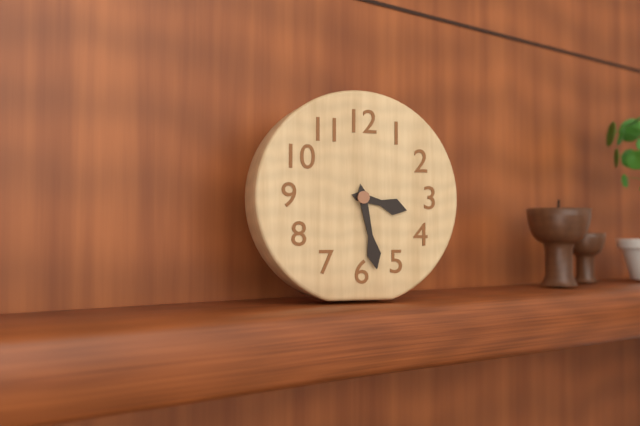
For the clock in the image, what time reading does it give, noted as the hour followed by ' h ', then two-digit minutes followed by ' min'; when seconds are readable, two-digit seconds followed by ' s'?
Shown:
3 h 28 min
